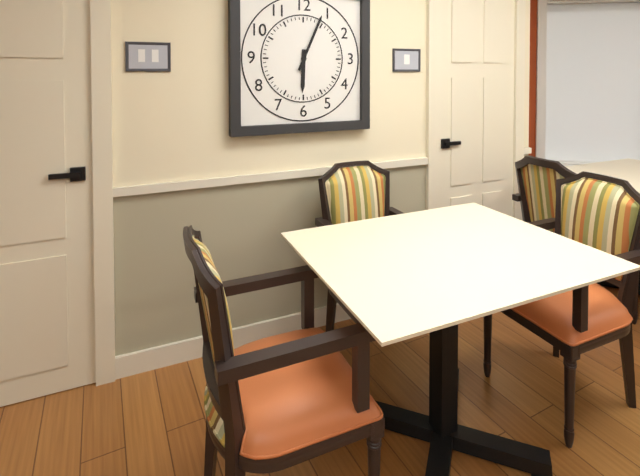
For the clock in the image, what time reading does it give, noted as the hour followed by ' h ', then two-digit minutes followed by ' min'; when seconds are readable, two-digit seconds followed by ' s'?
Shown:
6 h 04 min
